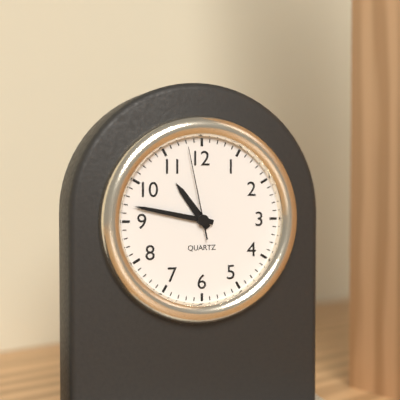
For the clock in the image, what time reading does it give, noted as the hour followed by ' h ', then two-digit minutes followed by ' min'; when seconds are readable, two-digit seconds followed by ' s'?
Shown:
10 h 47 min 58 s
